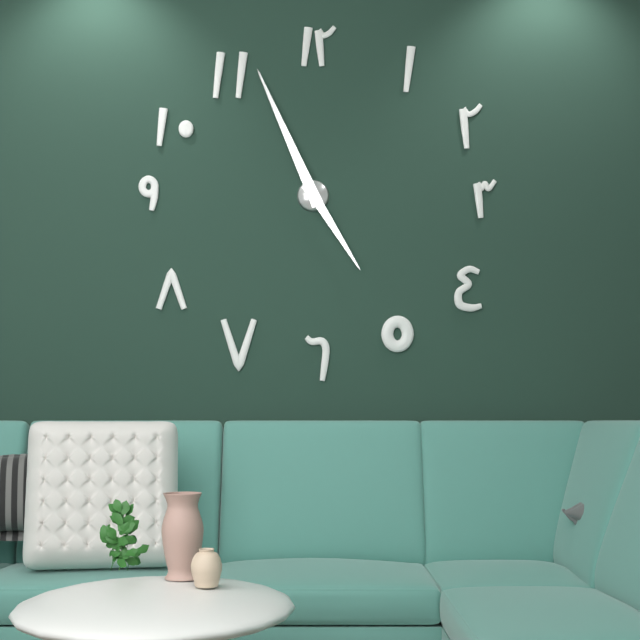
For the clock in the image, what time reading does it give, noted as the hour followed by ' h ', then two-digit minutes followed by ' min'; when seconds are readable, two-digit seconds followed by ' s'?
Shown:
4 h 56 min
